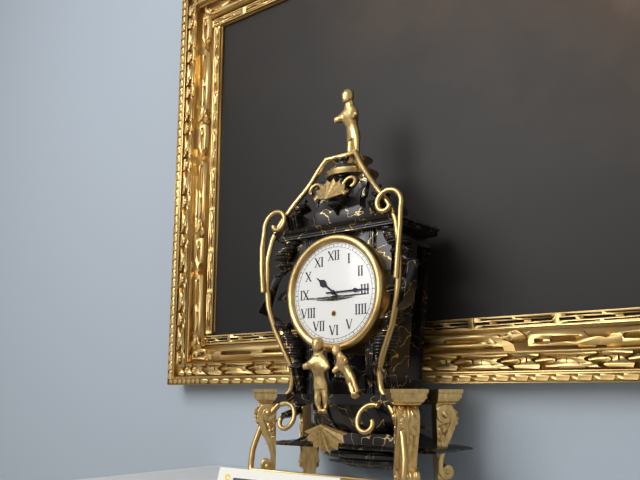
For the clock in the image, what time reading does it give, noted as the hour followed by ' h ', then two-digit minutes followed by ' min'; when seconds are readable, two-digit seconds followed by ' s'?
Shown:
10 h 15 min
